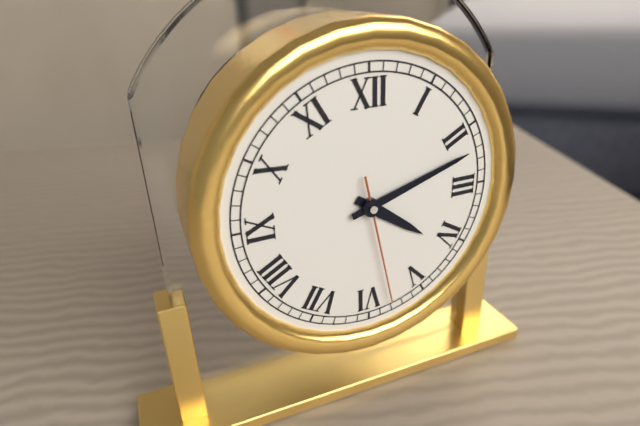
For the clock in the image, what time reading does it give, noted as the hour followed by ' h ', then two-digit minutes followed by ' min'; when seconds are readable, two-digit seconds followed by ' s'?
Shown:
4 h 12 min 28 s
